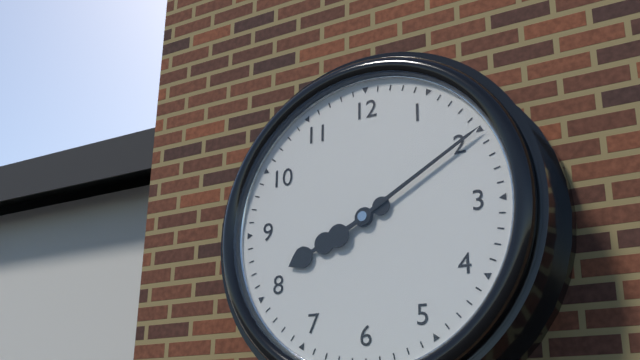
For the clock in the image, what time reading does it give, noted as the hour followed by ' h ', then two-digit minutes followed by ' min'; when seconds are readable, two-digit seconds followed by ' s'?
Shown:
8 h 10 min
